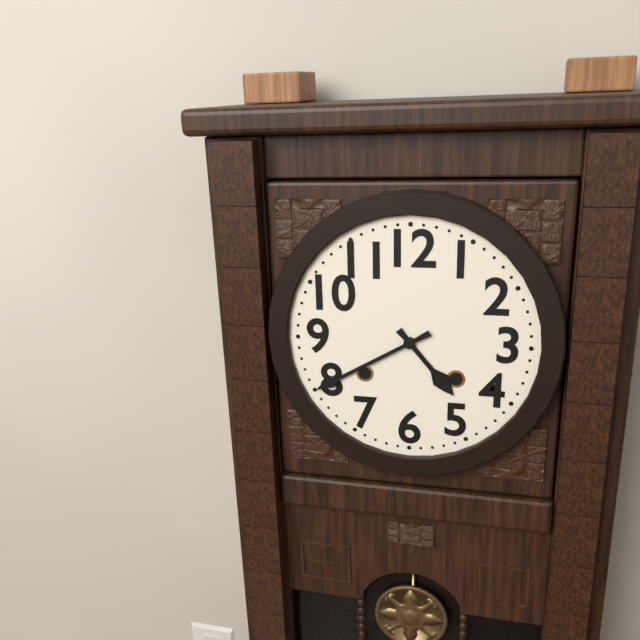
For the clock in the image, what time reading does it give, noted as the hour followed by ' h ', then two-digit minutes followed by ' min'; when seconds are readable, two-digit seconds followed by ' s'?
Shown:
4 h 40 min
